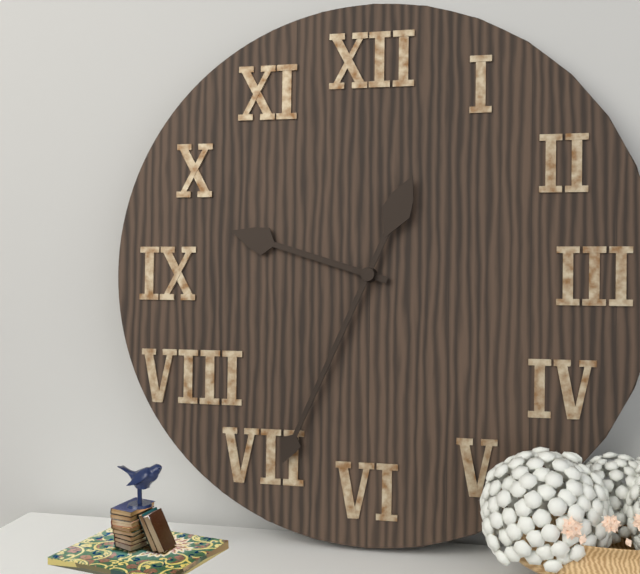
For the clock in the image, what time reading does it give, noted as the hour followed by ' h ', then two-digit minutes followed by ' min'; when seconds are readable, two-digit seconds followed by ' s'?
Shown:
9 h 34 min
